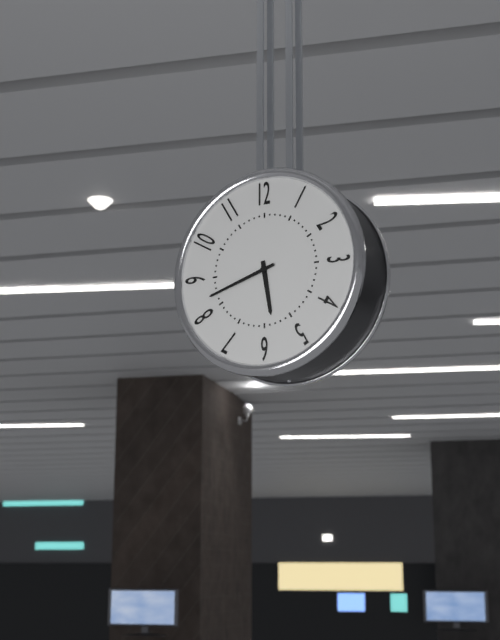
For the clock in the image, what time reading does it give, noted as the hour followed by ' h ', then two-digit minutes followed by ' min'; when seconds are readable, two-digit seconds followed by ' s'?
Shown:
5 h 42 min
